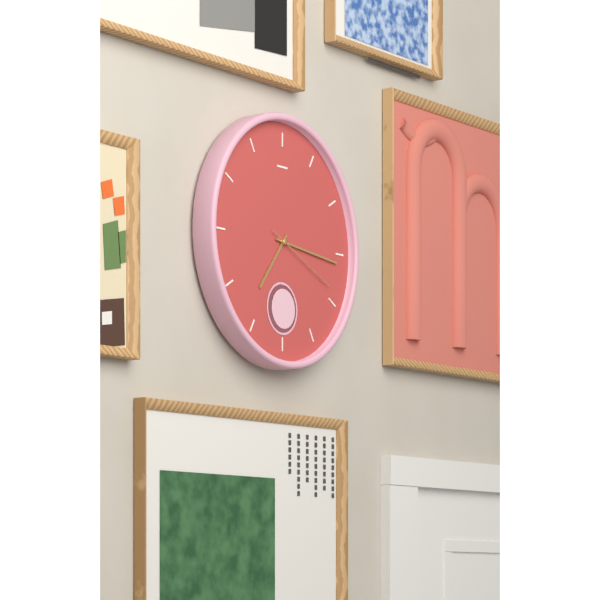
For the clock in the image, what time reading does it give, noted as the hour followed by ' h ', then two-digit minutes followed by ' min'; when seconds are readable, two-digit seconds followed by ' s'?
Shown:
7 h 16 min 19 s
